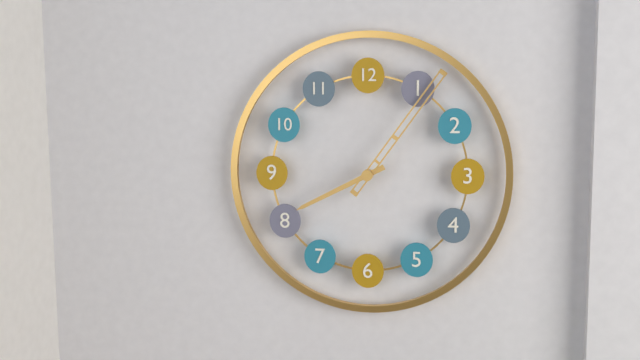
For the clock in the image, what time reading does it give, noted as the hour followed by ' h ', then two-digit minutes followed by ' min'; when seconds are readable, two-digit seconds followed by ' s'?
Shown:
8 h 06 min
